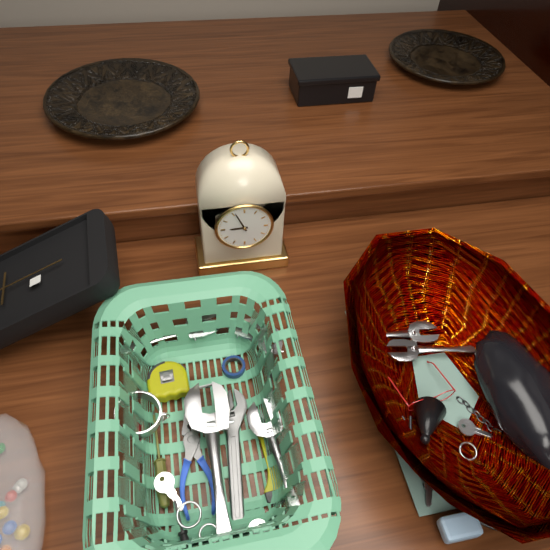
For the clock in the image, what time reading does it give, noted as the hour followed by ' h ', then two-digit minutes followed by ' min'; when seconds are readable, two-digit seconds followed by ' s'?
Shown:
8 h 56 min
